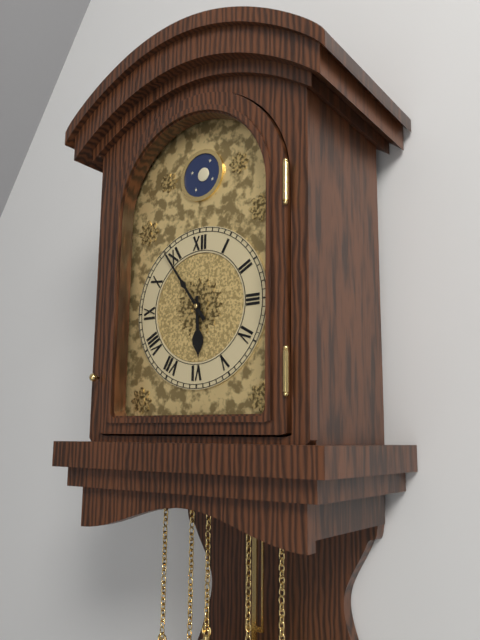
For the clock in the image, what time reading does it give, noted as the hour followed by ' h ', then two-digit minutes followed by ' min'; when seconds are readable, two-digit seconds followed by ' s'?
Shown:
5 h 54 min
